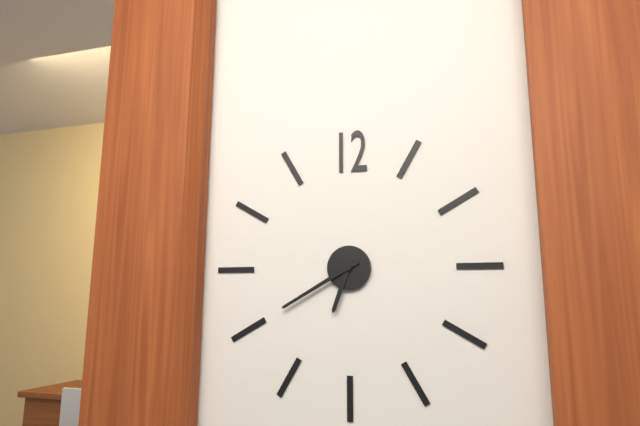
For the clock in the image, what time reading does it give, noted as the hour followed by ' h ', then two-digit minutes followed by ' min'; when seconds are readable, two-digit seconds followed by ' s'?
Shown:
6 h 40 min
